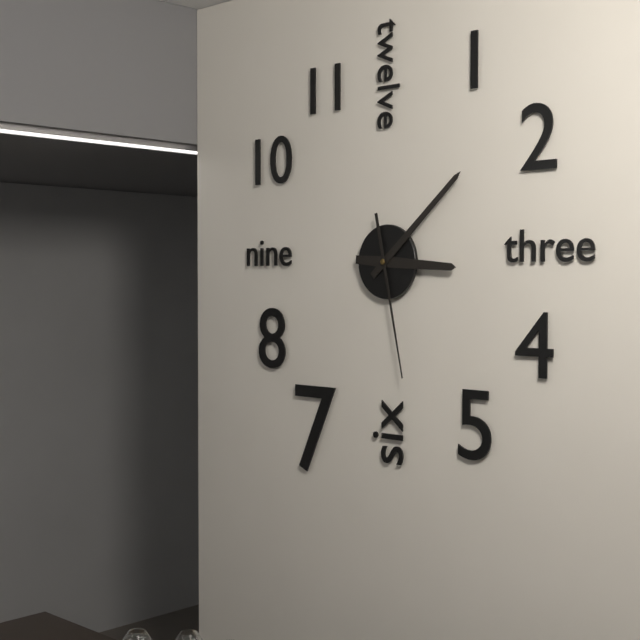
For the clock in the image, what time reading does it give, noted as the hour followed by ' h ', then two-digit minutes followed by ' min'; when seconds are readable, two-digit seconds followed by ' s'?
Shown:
3 h 08 min 28 s
